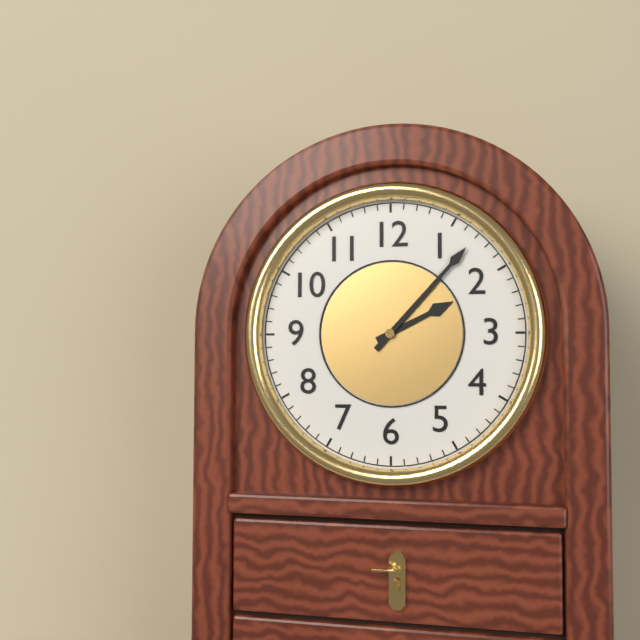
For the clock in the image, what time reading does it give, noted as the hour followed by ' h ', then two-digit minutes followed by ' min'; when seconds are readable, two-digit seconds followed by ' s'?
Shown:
2 h 07 min
